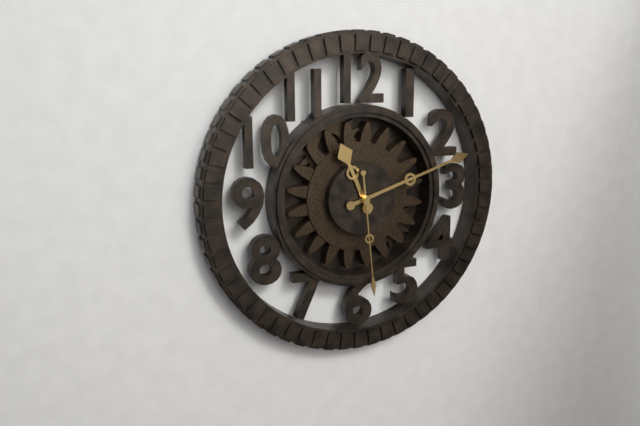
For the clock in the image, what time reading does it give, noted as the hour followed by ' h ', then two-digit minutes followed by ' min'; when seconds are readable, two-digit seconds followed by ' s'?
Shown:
11 h 12 min 29 s
